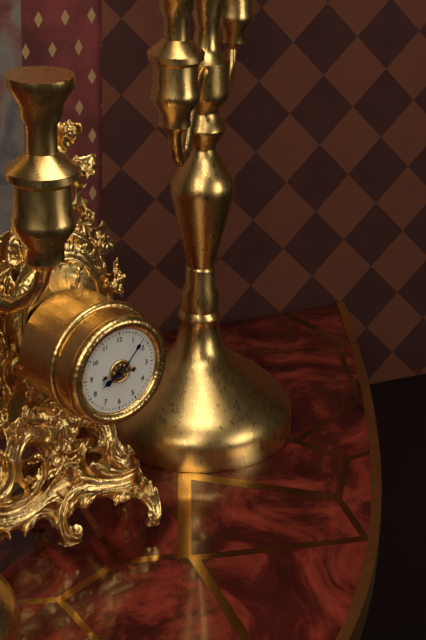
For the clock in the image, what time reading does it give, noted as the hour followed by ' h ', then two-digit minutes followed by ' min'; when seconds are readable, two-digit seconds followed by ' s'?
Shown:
8 h 07 min
